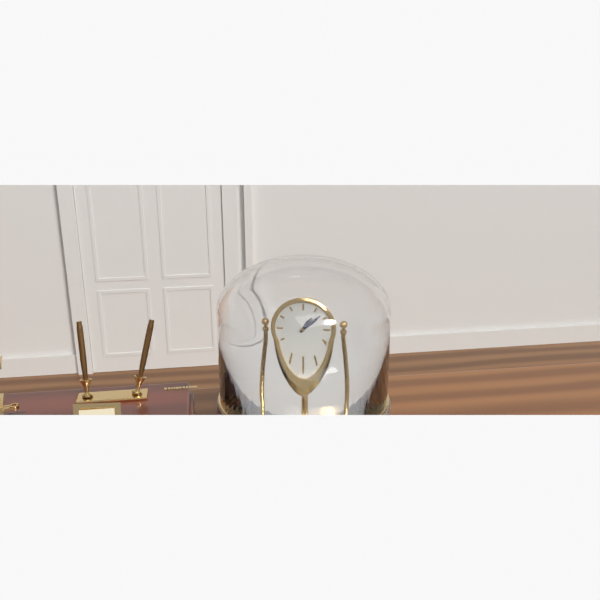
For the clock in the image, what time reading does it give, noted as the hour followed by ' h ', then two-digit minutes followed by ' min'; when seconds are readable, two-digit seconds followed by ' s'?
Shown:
1 h 08 min
